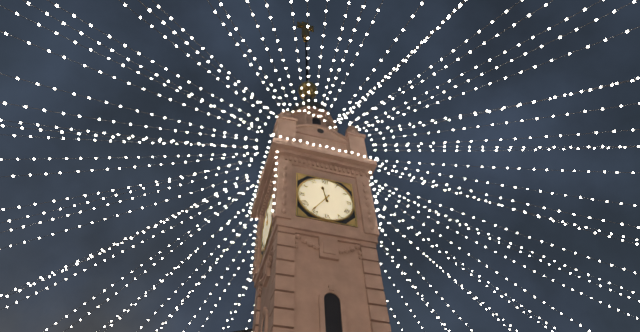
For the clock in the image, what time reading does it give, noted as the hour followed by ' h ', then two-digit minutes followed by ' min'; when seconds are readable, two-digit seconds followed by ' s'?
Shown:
11 h 36 min
